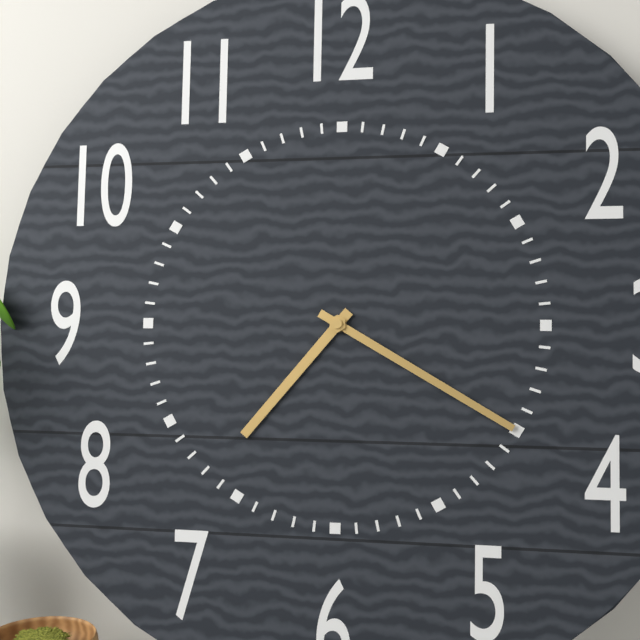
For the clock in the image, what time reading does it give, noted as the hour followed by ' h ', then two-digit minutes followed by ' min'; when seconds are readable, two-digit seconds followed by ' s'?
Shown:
7 h 20 min
